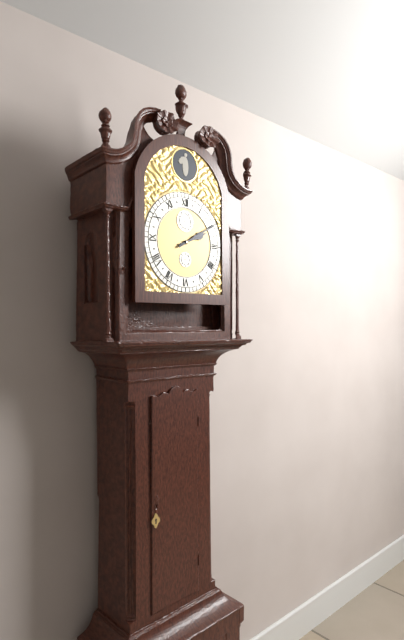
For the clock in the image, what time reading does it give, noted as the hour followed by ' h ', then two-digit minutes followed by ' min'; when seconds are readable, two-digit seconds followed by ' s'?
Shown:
2 h 10 min
